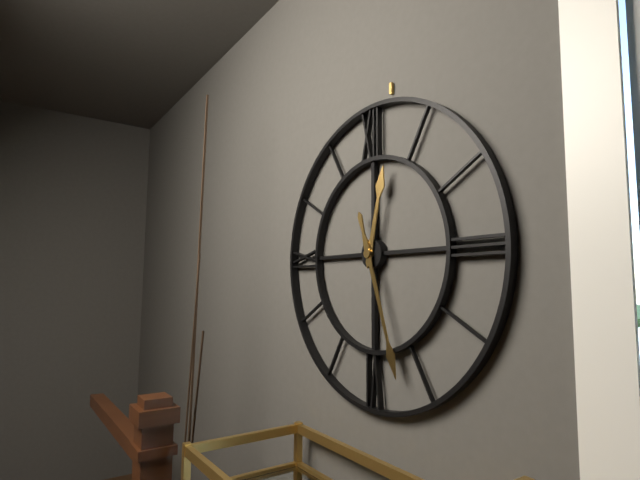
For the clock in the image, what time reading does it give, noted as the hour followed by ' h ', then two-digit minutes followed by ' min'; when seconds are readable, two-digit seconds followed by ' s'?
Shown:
12 h 27 min
